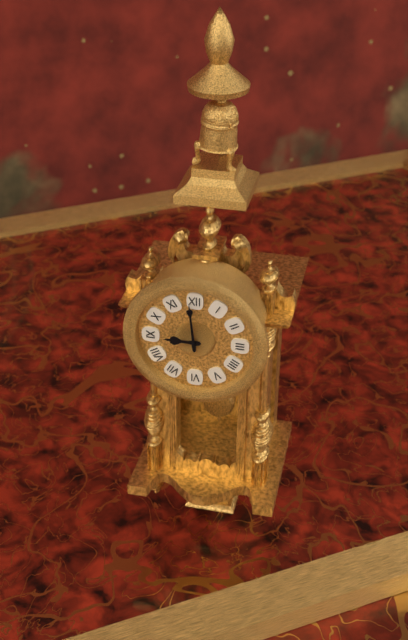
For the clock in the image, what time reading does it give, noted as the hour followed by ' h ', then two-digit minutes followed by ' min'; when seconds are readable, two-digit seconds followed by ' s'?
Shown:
8 h 59 min
